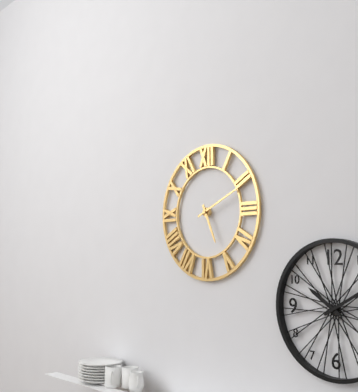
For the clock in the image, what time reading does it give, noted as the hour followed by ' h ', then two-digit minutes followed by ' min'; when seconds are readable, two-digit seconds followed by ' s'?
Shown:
5 h 11 min
